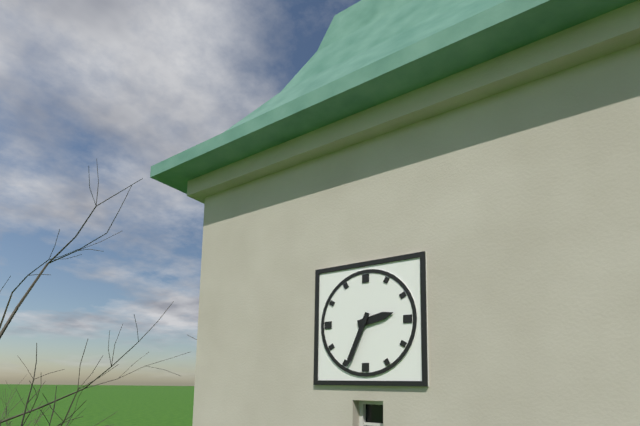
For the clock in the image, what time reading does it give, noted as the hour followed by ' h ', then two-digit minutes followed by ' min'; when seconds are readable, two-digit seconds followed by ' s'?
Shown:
2 h 34 min
